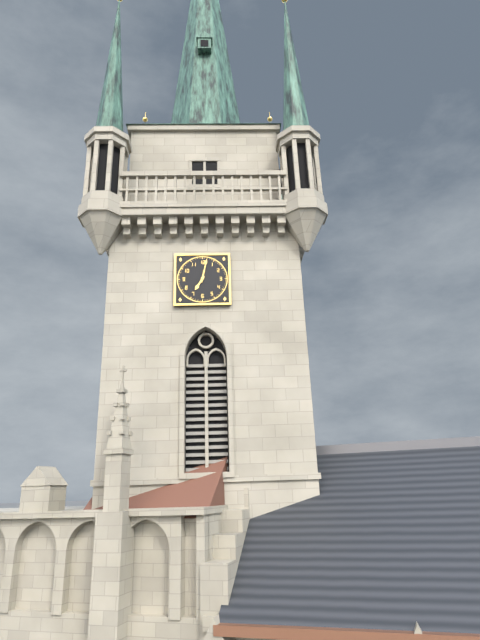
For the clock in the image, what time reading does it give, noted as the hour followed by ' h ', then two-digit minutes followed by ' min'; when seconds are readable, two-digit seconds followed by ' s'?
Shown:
7 h 02 min
